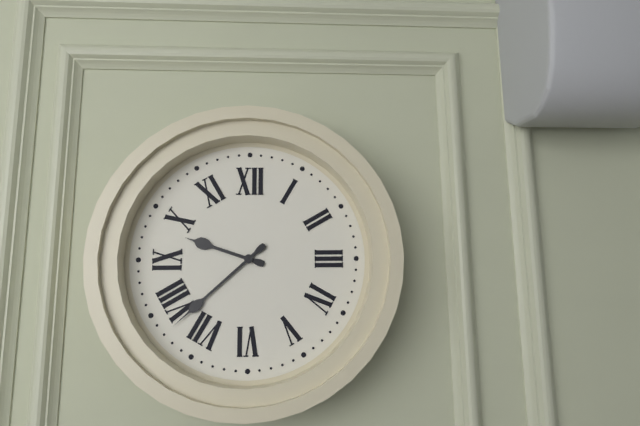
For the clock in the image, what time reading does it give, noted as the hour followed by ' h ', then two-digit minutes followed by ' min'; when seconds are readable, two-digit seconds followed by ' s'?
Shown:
9 h 38 min
